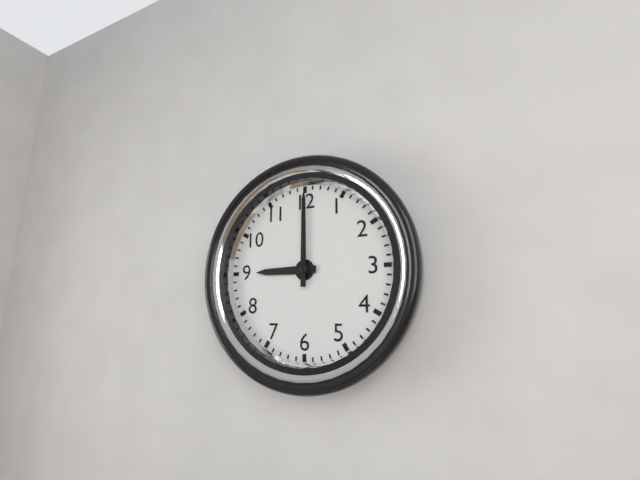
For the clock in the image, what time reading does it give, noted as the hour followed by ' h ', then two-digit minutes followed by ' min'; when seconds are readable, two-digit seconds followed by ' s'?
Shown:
9 h 00 min
